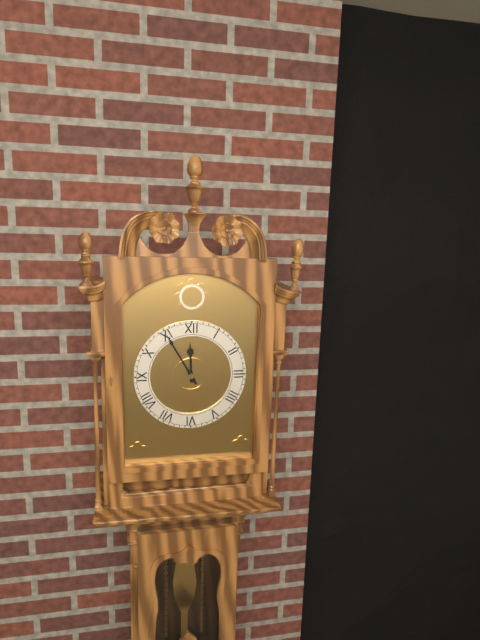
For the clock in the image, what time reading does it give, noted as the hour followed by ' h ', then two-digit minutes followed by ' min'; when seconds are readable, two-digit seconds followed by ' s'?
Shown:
11 h 55 min
